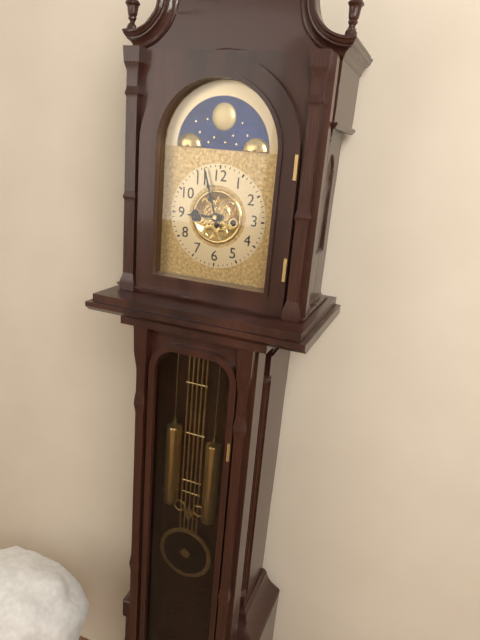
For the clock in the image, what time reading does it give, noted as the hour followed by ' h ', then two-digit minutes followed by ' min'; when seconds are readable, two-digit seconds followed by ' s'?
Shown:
8 h 57 min
